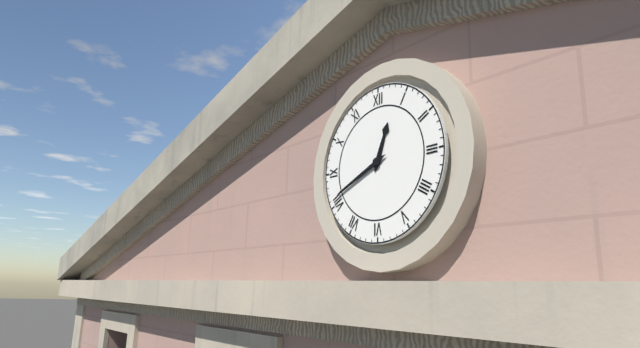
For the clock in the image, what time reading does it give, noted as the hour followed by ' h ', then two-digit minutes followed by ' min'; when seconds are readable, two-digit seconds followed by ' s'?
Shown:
12 h 41 min
